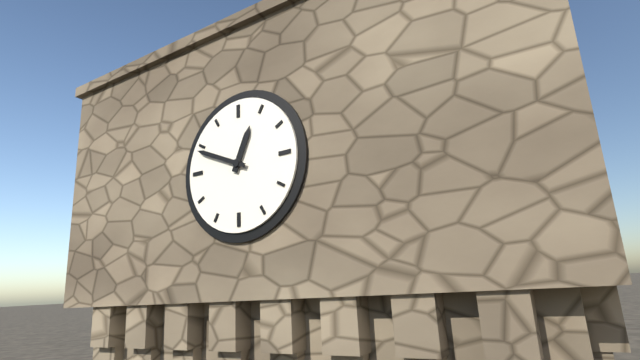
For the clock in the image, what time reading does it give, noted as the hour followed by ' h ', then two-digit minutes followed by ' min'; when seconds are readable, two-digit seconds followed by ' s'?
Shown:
12 h 49 min
